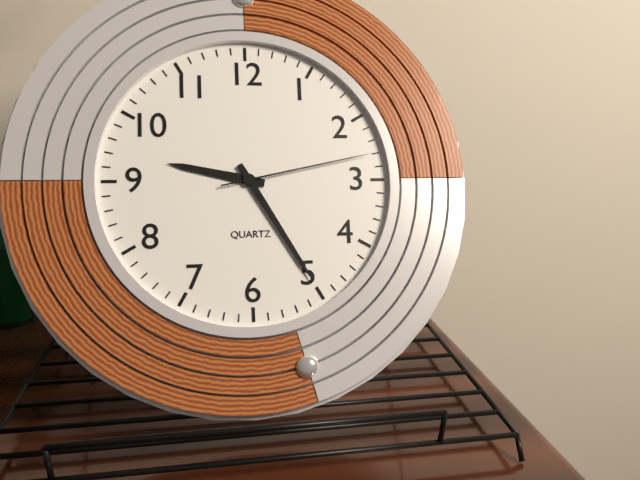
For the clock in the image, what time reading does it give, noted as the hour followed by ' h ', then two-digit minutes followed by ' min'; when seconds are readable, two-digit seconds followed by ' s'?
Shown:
9 h 25 min 13 s
